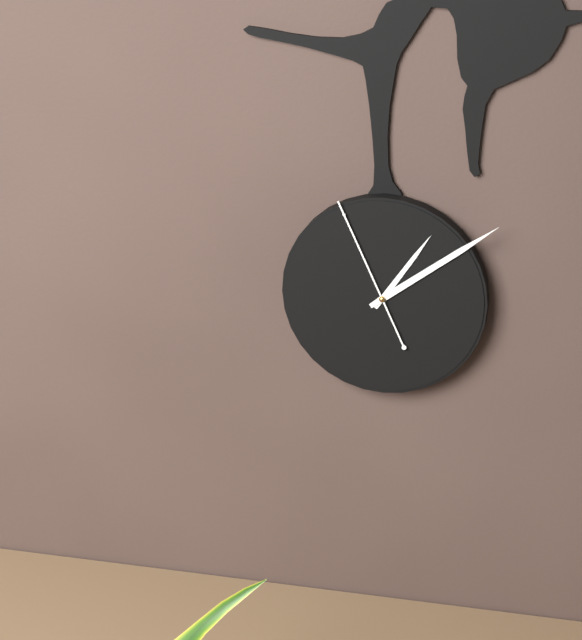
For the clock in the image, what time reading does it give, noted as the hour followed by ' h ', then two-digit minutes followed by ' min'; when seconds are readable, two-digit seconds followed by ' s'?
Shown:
1 h 09 min 56 s
